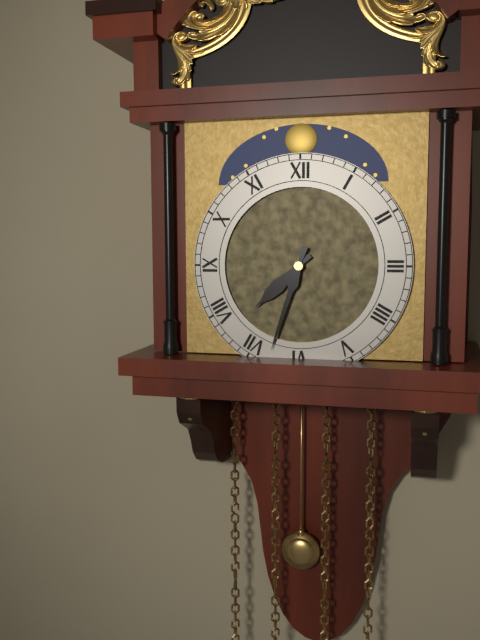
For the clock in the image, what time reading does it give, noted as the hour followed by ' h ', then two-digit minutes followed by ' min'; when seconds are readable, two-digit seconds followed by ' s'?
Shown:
7 h 33 min
